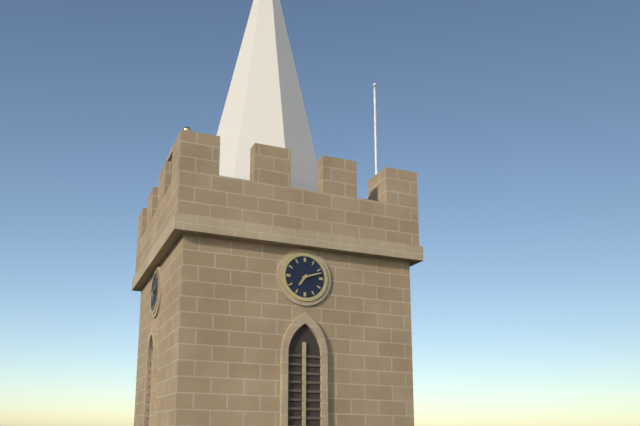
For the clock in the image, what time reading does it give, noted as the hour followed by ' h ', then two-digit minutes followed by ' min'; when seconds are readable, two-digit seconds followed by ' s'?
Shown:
7 h 12 min
